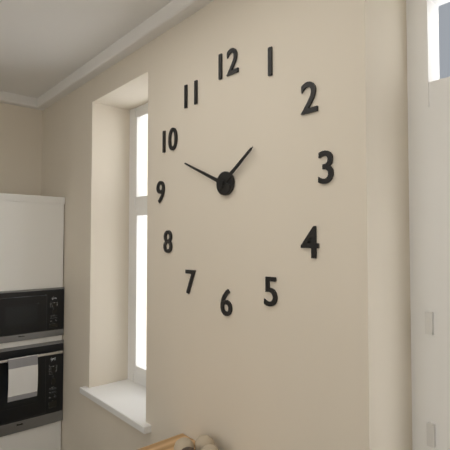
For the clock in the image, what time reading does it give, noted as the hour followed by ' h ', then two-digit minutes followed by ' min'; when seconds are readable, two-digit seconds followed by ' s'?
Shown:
1 h 49 min
